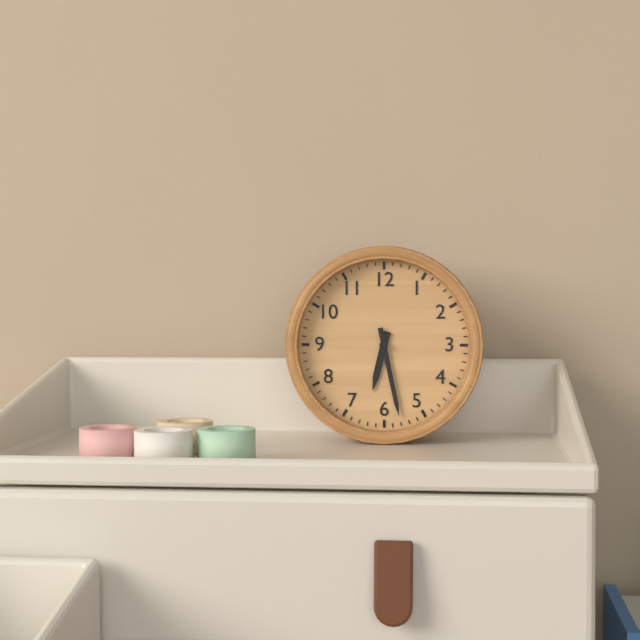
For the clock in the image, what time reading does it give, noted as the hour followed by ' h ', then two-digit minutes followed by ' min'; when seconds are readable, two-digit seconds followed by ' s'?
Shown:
6 h 28 min
